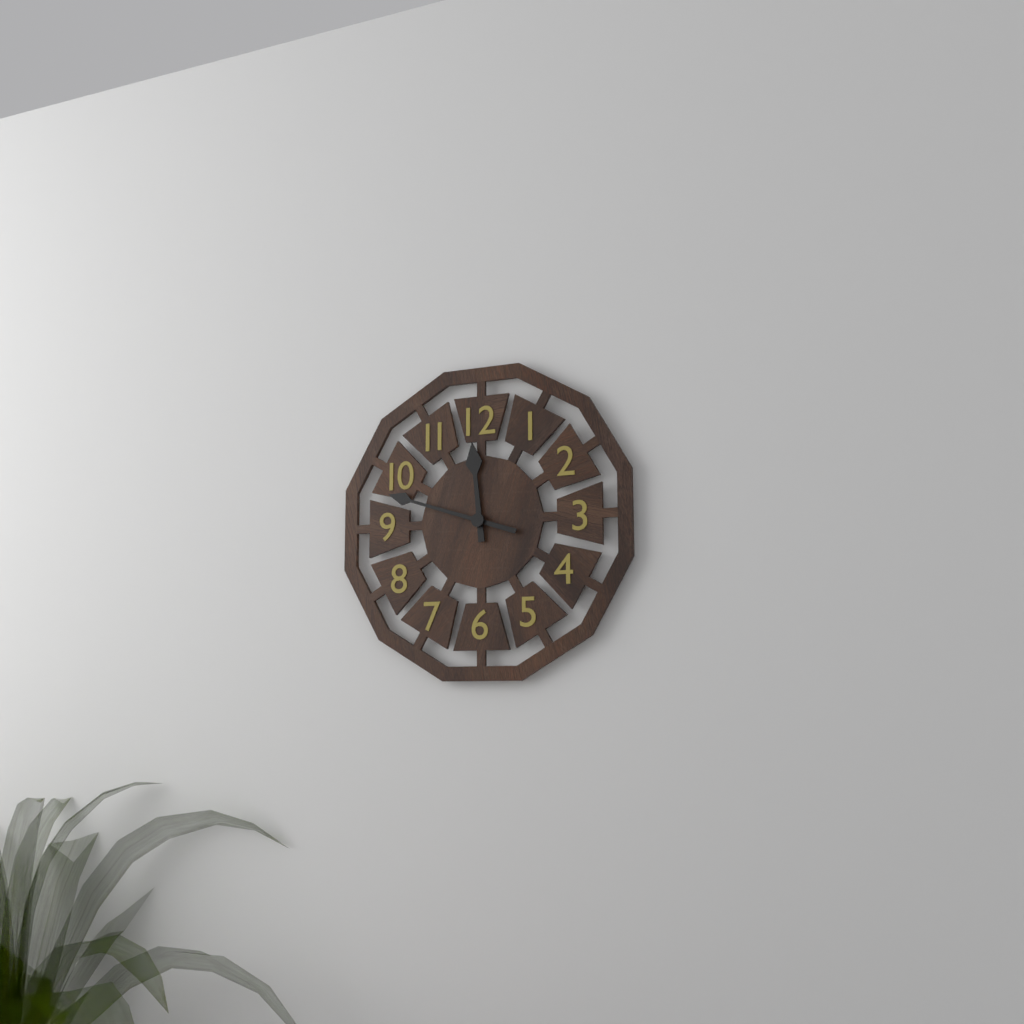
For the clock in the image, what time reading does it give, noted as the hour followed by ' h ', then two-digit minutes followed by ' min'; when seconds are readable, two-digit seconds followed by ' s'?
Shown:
11 h 48 min
